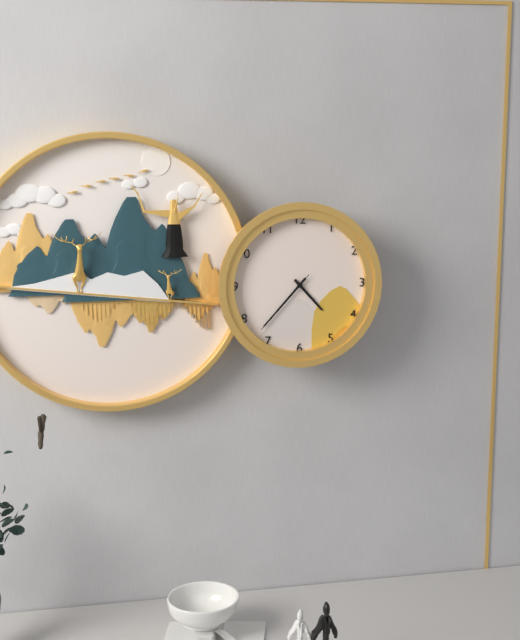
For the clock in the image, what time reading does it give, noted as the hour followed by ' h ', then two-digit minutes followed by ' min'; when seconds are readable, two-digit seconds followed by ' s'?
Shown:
4 h 37 min 37 s
